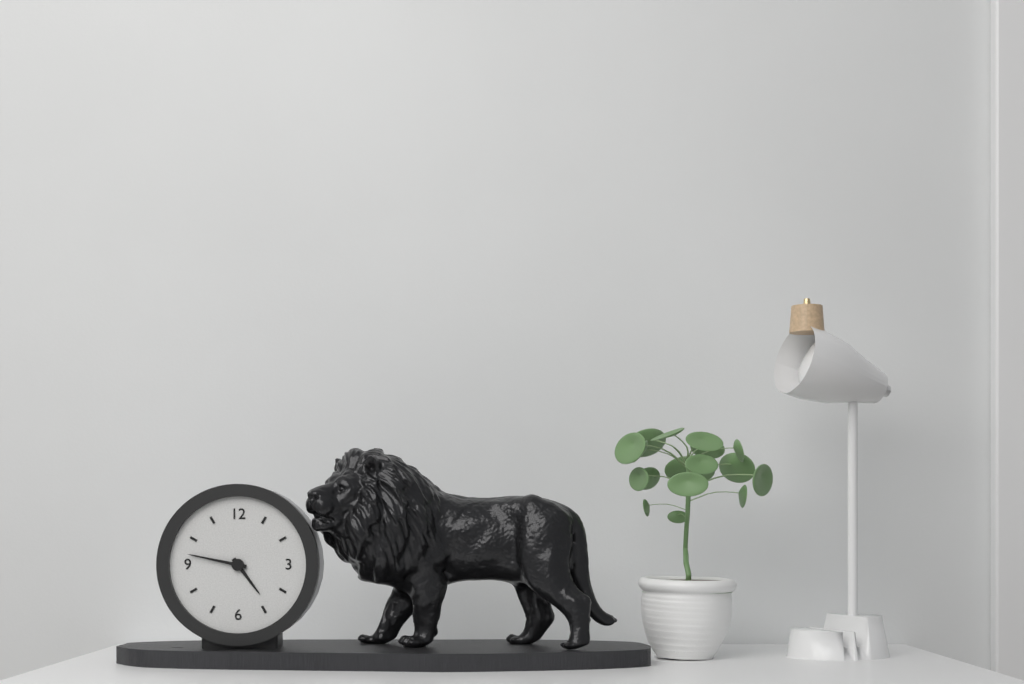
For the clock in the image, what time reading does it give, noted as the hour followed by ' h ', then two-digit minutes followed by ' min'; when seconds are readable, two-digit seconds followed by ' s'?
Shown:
4 h 47 min
